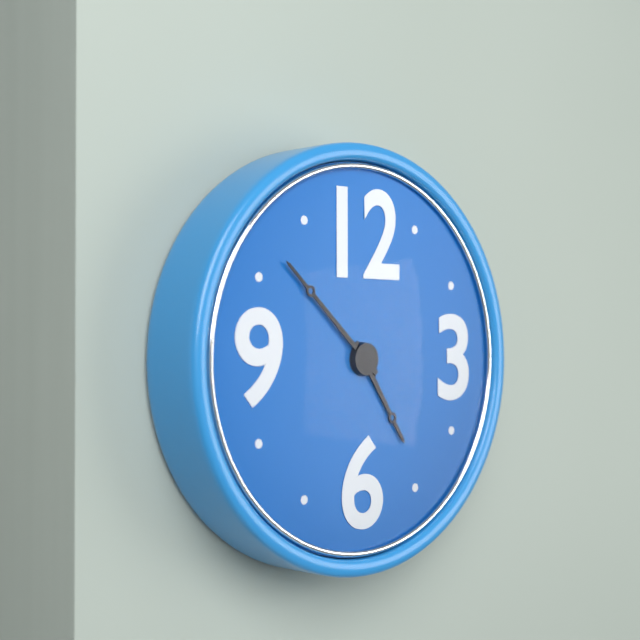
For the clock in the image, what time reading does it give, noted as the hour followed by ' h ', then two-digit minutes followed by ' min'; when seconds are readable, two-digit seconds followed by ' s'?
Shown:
4 h 52 min
